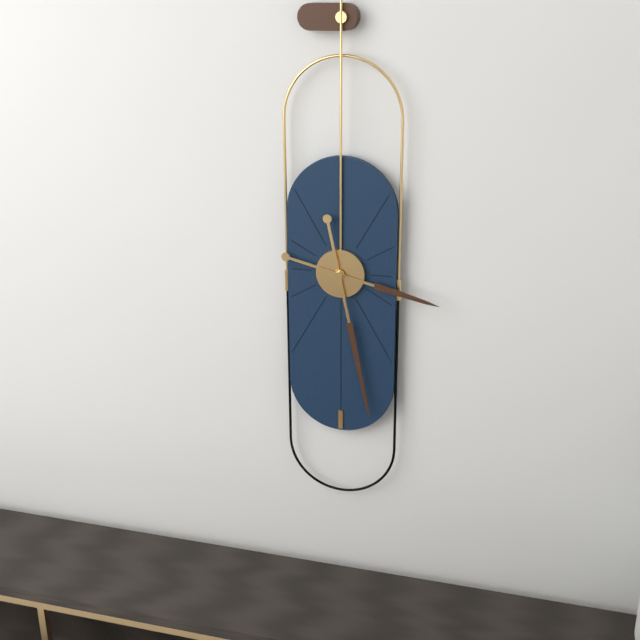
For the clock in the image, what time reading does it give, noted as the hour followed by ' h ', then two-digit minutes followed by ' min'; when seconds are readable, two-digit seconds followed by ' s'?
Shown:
3 h 28 min
